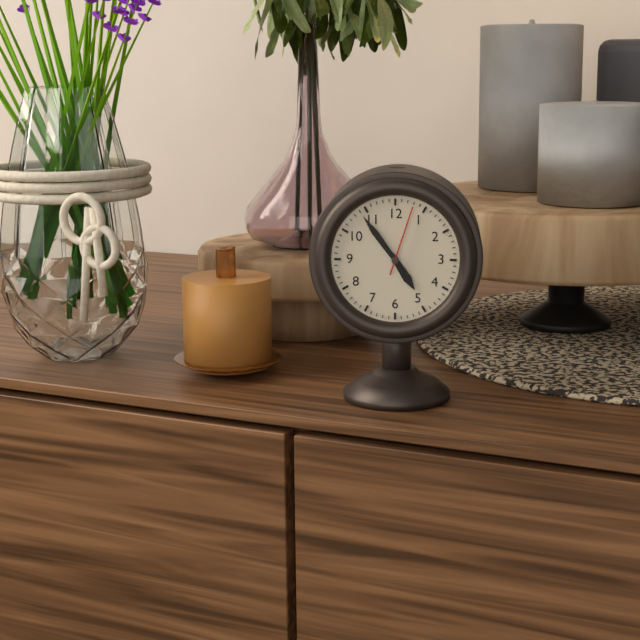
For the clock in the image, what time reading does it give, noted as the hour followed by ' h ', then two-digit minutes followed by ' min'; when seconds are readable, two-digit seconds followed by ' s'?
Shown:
4 h 54 min 03 s
